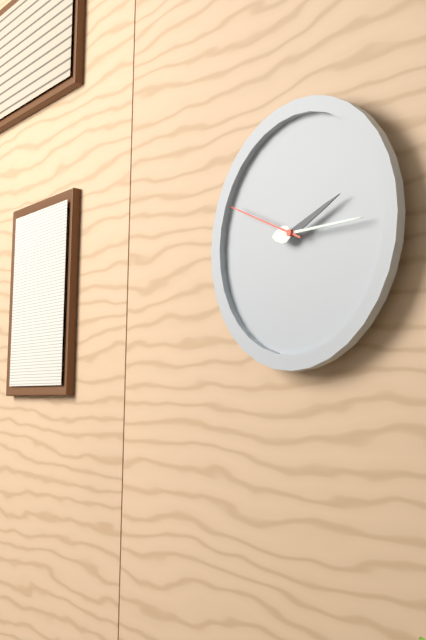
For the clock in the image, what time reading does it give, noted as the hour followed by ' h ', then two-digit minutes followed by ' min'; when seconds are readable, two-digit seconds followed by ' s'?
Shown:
2 h 15 min 49 s
